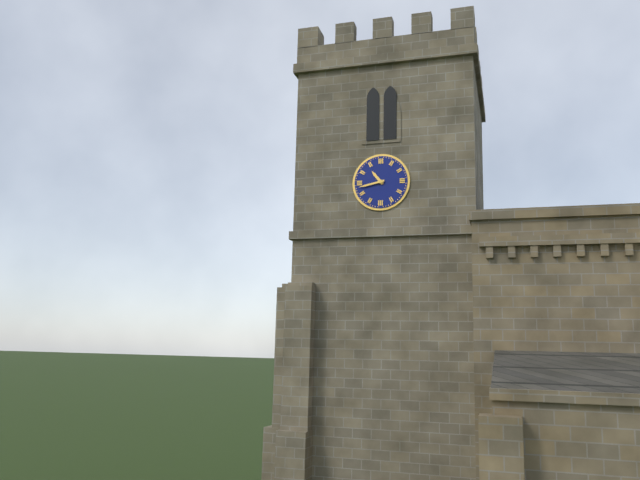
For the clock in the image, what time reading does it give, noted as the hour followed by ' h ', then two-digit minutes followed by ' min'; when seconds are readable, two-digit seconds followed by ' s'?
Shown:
10 h 43 min
